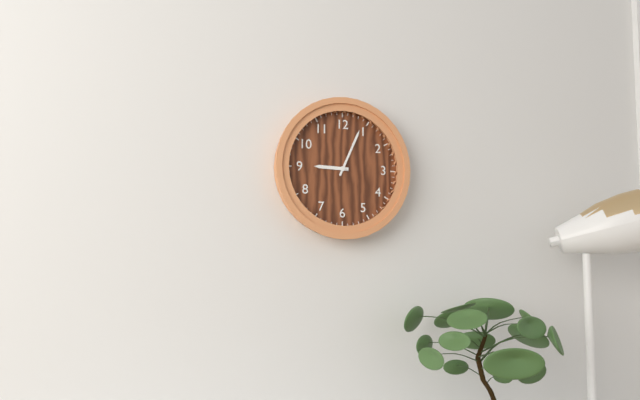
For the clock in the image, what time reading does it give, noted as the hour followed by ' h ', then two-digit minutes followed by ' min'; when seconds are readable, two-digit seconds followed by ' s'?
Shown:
9 h 04 min
